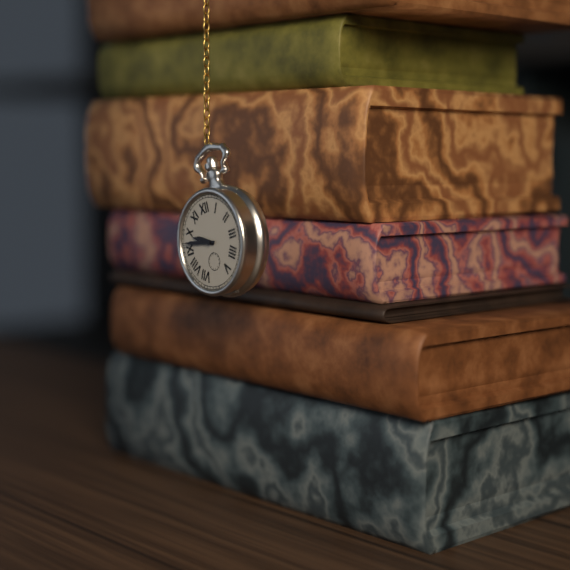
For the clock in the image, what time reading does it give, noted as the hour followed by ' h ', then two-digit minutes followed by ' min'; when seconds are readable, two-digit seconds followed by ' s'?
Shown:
9 h 47 min
